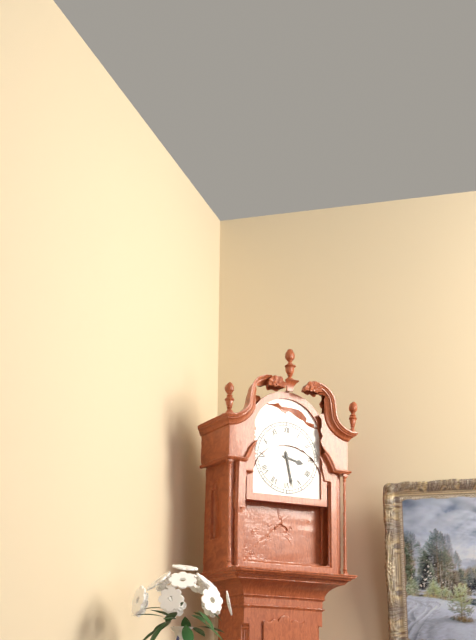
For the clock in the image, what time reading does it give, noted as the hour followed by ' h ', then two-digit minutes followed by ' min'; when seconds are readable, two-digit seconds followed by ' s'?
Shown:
3 h 28 min
